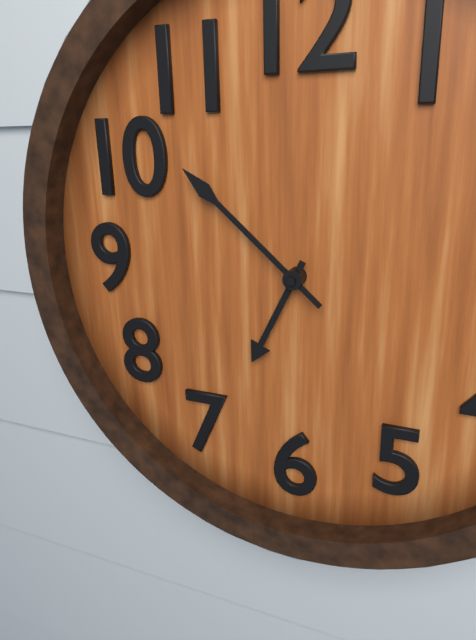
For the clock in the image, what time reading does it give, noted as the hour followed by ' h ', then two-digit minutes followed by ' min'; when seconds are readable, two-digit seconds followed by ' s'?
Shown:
6 h 52 min
